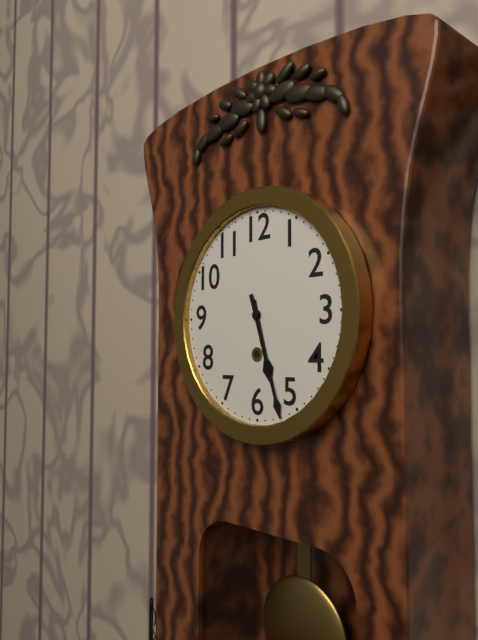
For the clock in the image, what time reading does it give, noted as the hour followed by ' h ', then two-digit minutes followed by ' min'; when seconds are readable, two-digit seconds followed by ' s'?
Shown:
5 h 27 min
